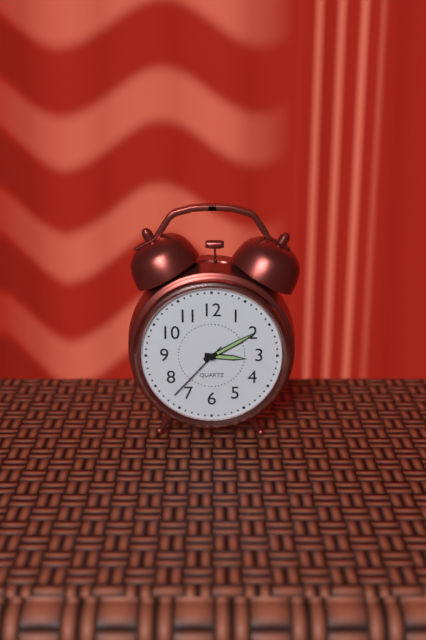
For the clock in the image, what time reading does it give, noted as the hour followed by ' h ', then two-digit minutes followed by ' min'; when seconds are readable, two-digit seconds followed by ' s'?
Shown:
3 h 10 min 37 s
